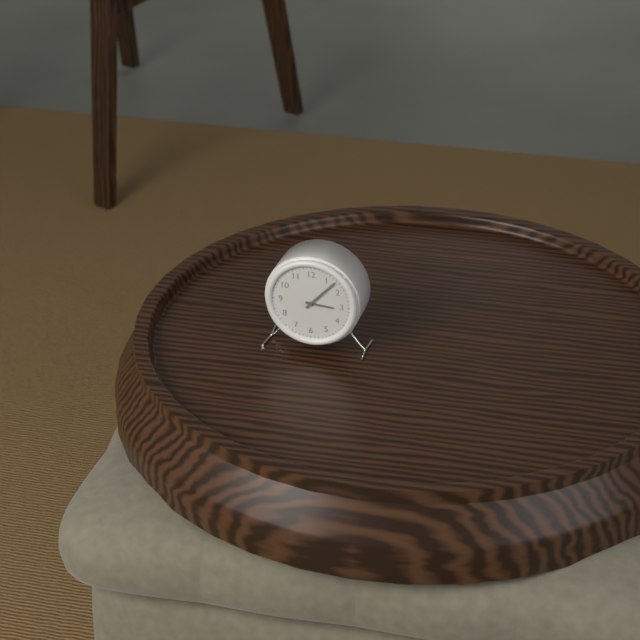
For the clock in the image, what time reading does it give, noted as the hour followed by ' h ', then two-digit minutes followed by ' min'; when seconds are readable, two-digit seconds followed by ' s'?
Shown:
3 h 07 min
